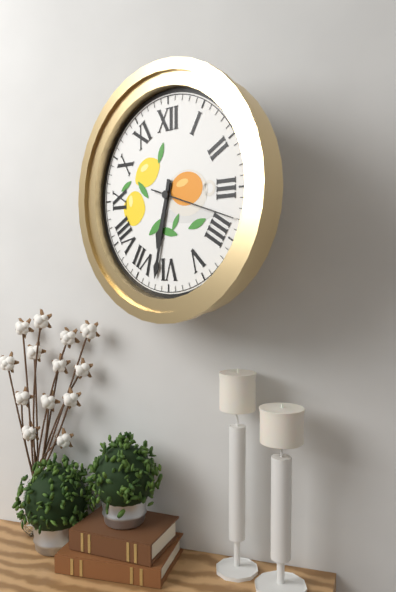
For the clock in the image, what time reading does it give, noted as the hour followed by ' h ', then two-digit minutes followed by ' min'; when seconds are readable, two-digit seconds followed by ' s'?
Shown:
6 h 32 min 18 s
